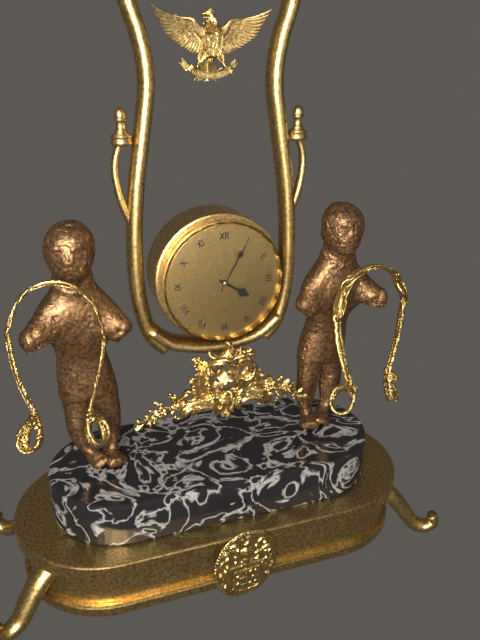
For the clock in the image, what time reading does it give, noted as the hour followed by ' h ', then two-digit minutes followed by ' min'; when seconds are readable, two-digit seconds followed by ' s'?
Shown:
4 h 05 min
